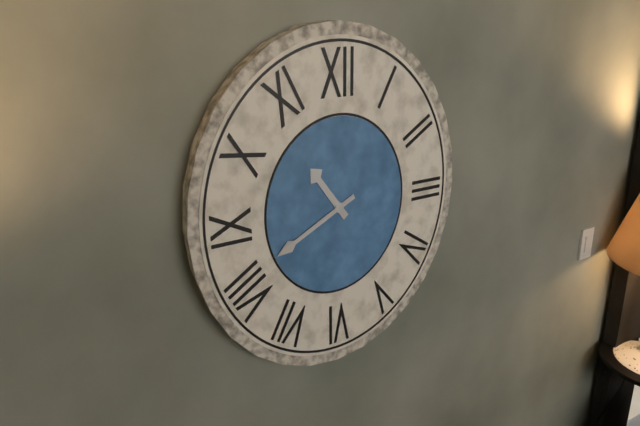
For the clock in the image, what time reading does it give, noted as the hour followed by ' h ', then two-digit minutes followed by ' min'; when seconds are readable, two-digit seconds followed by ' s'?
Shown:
10 h 41 min
